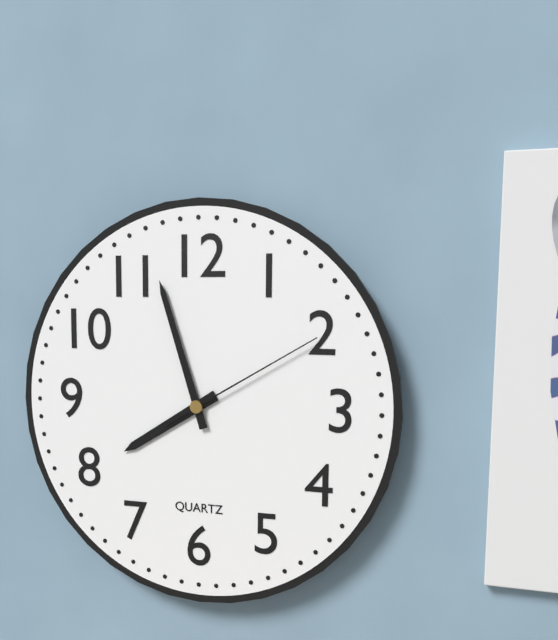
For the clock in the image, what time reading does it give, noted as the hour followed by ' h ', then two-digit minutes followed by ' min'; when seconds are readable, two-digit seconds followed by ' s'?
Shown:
7 h 57 min 10 s
